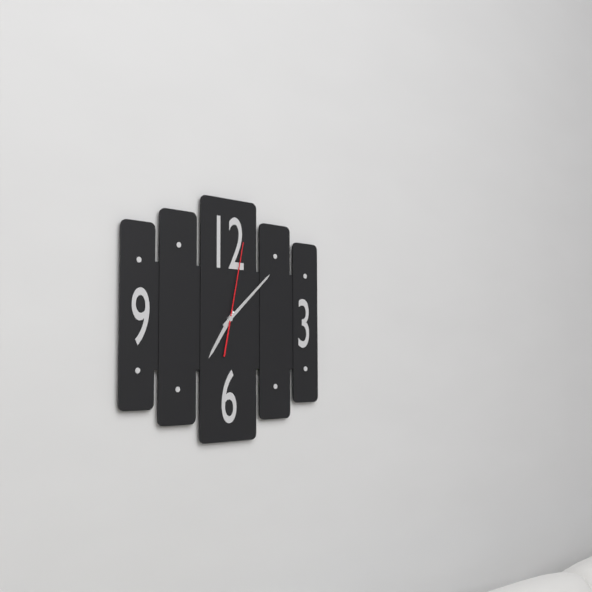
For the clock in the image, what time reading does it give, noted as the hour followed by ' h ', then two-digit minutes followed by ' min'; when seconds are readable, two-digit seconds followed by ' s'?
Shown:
7 h 08 min 02 s
